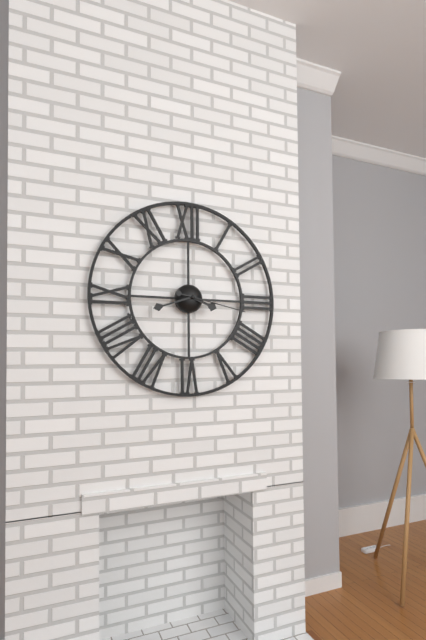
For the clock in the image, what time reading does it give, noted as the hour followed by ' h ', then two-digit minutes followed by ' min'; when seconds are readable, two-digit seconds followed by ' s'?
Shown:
3 h 42 min 17 s
